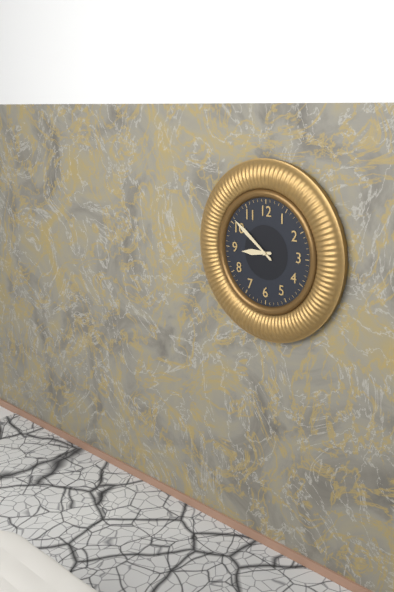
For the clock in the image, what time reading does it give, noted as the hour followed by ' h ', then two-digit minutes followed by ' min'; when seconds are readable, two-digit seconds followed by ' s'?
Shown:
8 h 51 min
